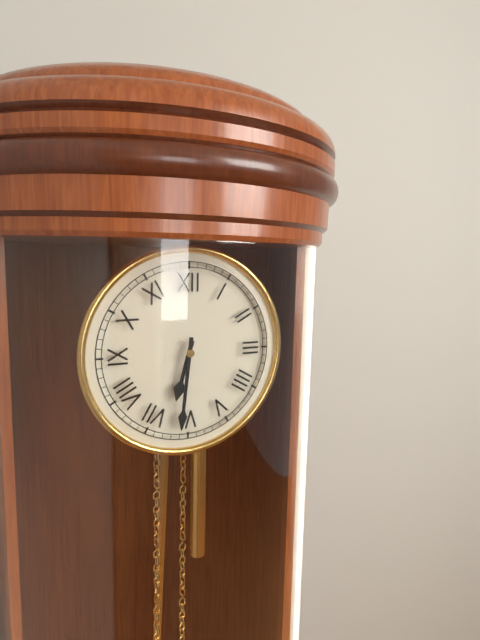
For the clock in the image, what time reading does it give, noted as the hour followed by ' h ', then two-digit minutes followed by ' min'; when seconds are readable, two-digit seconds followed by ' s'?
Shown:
6 h 31 min
